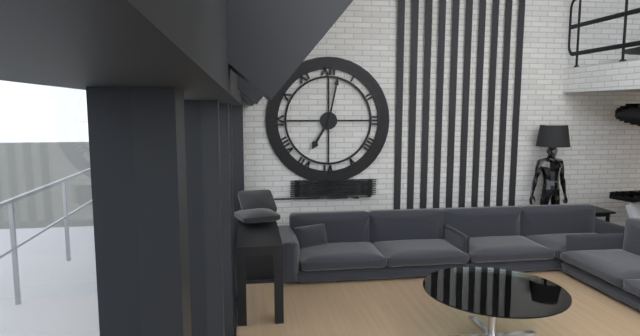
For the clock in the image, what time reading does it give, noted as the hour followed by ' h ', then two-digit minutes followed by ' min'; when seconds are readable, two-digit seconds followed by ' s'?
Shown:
7 h 02 min
